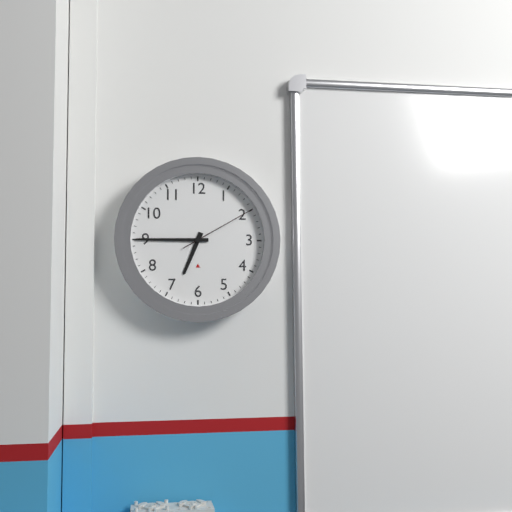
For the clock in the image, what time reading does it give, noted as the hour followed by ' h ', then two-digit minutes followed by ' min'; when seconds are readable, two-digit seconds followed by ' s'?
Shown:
6 h 45 min 10 s
